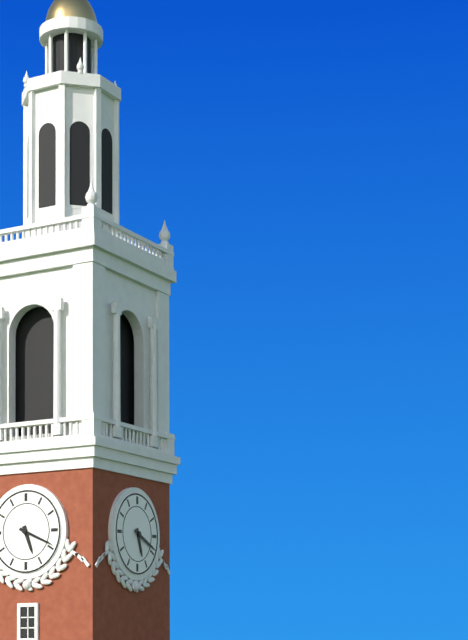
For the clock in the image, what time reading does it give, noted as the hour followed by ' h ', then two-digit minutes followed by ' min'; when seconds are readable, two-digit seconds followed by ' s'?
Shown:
5 h 19 min
